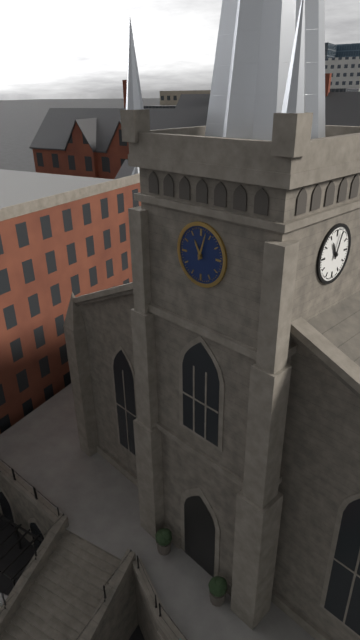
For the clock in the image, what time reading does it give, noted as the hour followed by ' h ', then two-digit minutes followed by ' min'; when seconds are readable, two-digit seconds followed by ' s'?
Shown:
11 h 03 min
